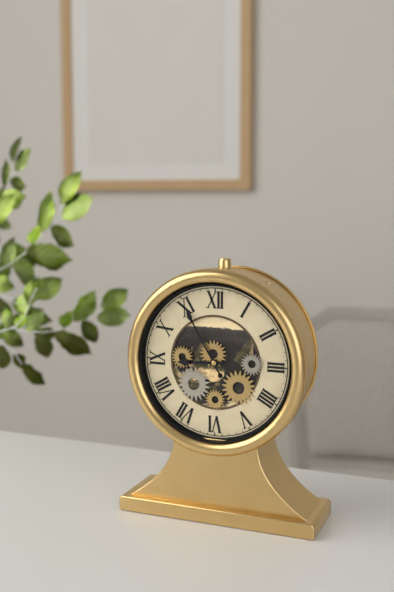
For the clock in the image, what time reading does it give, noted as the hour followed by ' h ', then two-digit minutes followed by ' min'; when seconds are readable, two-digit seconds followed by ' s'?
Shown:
8 h 55 min
